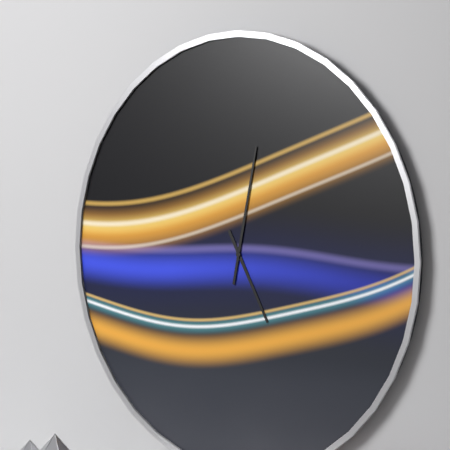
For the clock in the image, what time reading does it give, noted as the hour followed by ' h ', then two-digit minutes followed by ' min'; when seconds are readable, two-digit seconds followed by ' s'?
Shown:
5 h 02 min
